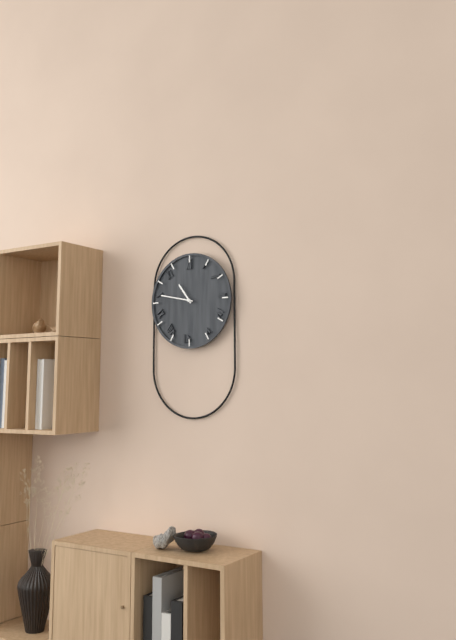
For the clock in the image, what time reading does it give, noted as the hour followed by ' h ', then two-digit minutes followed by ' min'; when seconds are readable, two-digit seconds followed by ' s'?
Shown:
10 h 47 min
